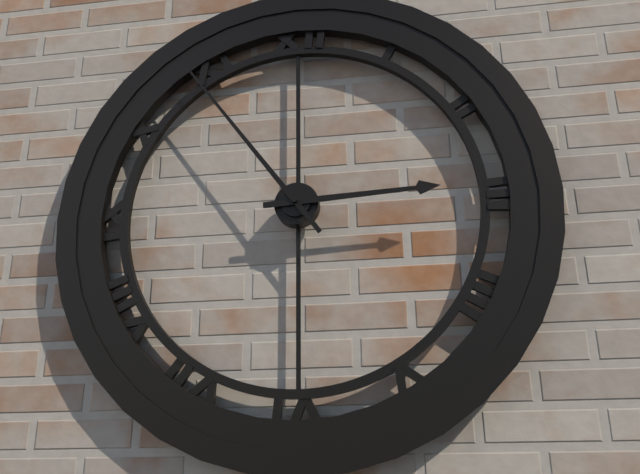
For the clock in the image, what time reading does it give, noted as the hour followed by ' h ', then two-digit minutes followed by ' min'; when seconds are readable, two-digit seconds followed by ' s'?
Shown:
2 h 54 min
